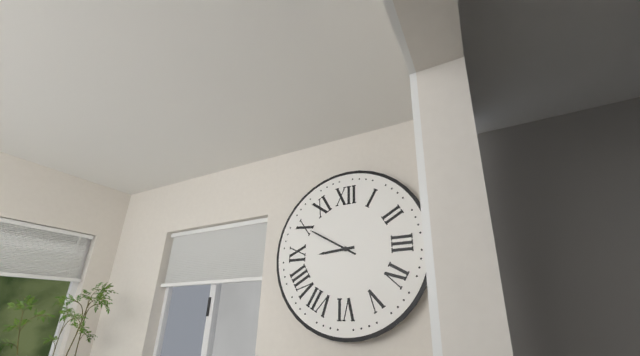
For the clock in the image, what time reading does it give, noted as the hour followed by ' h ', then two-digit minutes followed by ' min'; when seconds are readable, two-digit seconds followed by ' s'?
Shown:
8 h 50 min
